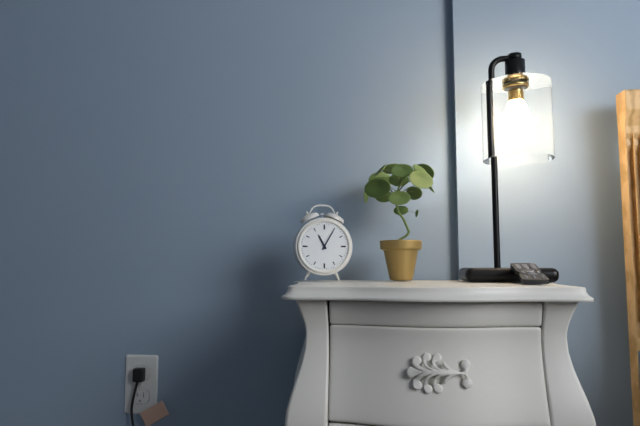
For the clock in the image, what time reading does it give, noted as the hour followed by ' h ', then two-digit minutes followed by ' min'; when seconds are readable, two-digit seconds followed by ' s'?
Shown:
11 h 05 min
